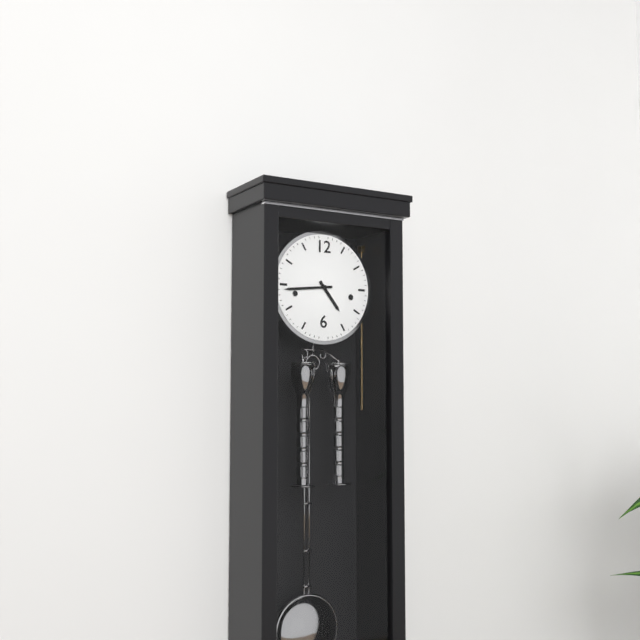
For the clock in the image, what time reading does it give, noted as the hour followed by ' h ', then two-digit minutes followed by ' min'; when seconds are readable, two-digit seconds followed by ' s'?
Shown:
4 h 44 min
